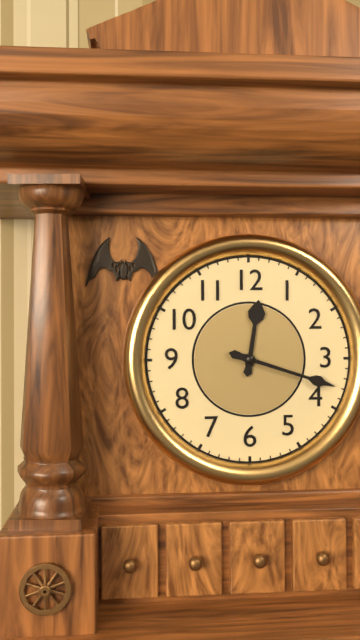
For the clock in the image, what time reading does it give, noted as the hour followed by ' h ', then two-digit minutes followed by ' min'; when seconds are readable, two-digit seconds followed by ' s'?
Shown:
12 h 18 min
